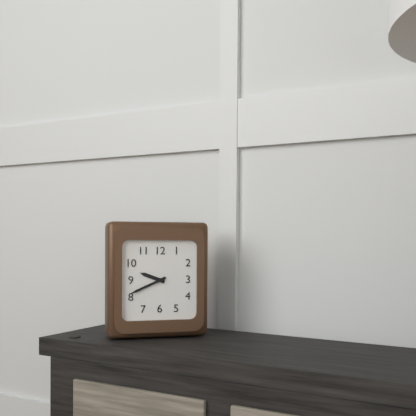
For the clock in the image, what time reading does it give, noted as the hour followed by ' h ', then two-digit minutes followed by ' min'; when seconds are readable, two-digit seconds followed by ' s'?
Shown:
9 h 41 min
